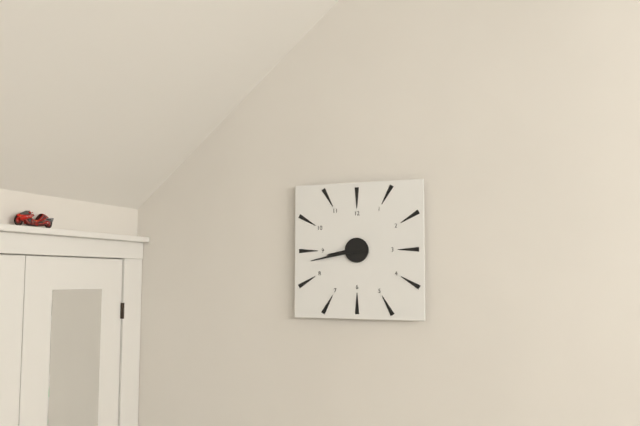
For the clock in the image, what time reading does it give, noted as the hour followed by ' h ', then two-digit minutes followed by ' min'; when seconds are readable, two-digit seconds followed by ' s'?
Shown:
8 h 43 min
